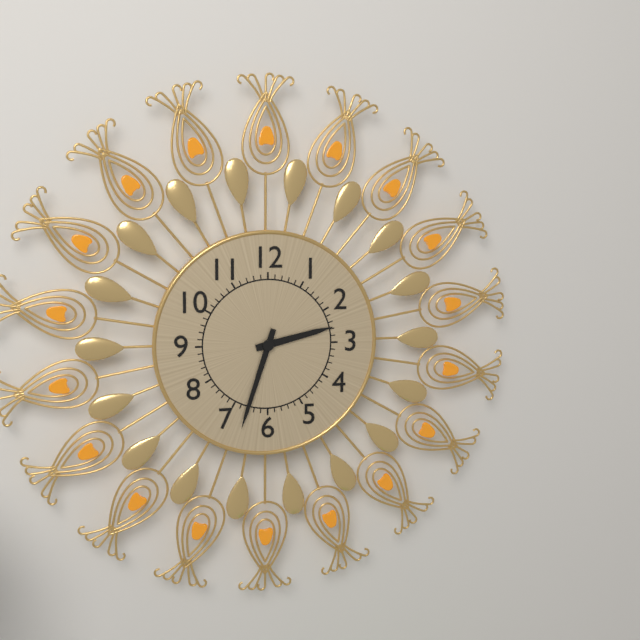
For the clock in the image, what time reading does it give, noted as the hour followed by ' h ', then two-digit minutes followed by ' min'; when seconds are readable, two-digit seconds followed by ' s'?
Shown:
2 h 33 min
